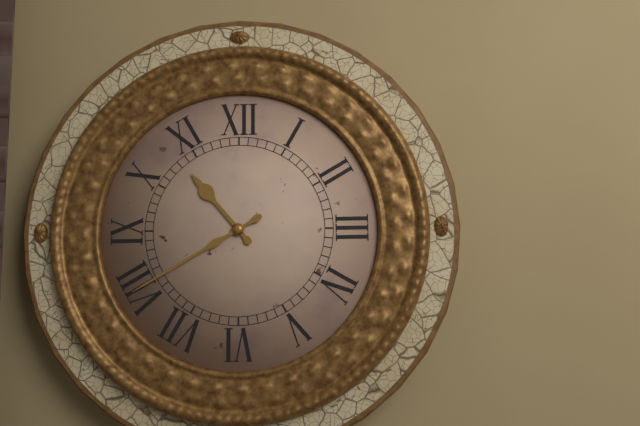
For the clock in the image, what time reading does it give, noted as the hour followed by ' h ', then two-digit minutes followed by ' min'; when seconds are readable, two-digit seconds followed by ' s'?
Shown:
10 h 40 min
